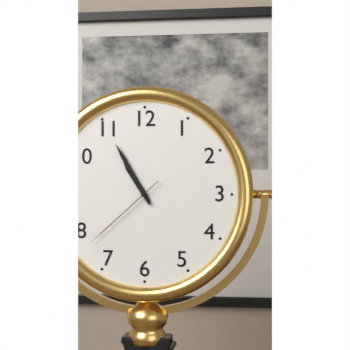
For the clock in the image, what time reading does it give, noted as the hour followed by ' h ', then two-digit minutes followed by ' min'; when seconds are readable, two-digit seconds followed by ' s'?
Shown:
10 h 55 min 38 s
